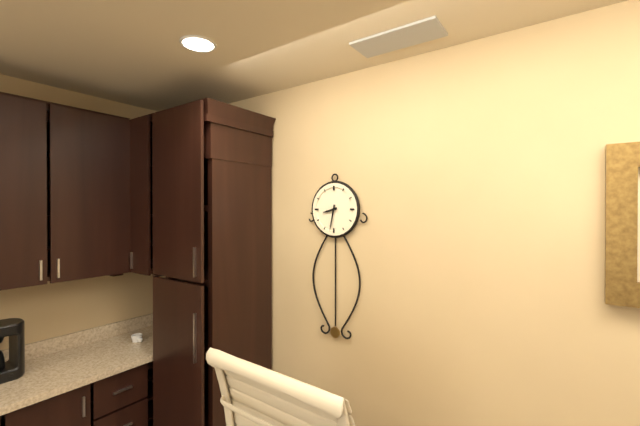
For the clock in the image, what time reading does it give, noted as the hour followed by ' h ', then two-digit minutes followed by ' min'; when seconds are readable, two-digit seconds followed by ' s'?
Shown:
8 h 32 min
